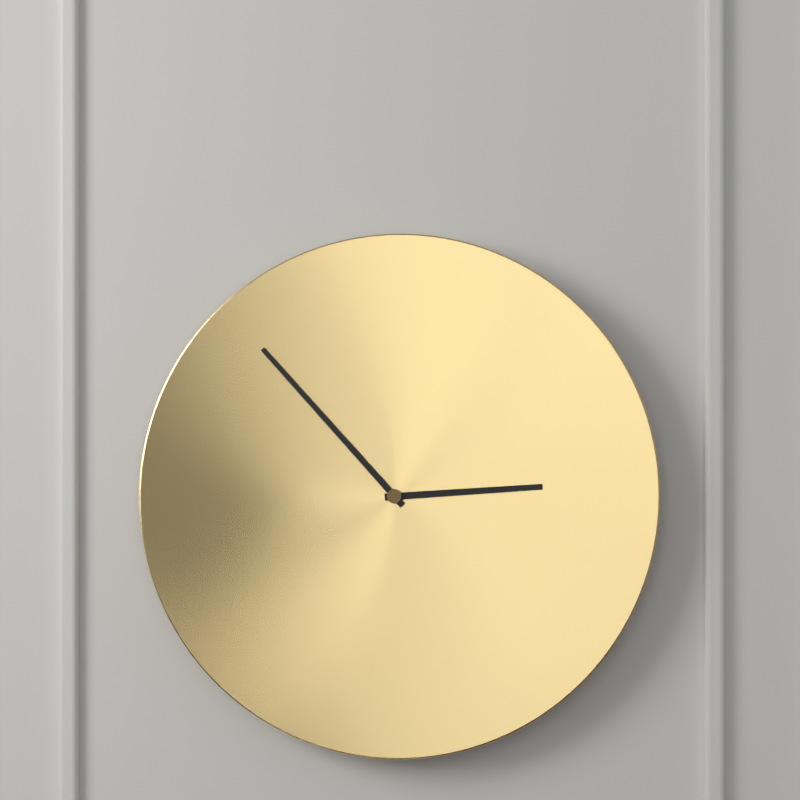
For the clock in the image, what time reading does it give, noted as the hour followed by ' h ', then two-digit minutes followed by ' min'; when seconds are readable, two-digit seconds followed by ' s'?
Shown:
2 h 53 min
